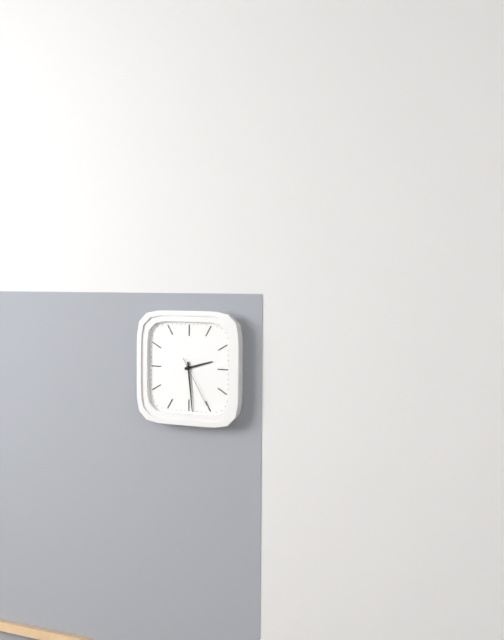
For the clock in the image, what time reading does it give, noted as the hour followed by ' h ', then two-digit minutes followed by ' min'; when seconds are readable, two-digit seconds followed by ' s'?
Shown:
2 h 29 min 25 s
